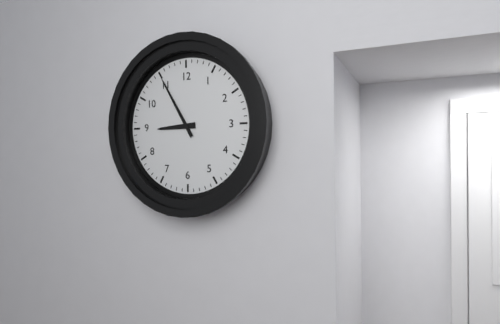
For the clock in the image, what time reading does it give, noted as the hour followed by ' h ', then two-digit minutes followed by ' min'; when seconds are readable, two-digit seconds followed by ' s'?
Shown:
8 h 55 min
